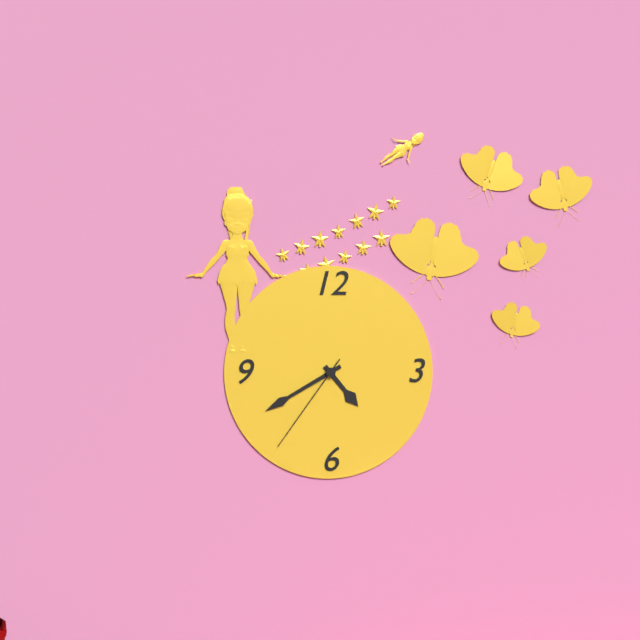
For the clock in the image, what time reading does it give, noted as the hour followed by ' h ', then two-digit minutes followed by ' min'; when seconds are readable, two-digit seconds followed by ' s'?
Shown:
4 h 40 min 36 s
